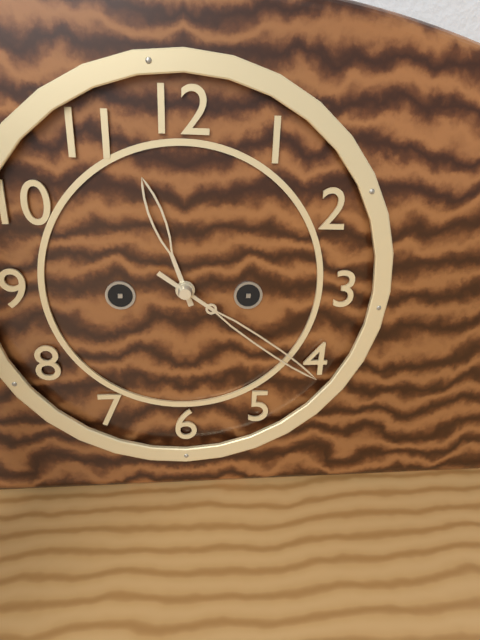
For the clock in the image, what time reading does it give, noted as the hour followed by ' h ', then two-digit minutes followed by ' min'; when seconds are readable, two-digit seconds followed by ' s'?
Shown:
11 h 21 min
